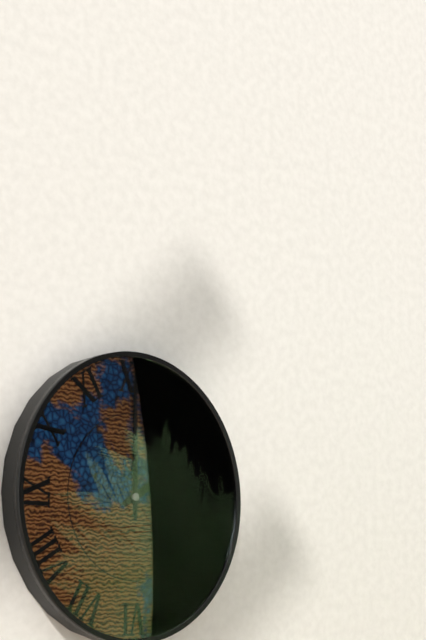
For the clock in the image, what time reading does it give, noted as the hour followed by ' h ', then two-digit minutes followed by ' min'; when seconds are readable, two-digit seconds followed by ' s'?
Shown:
2 h 00 min
